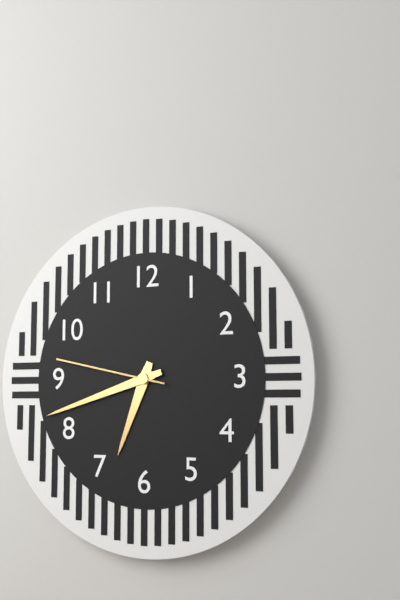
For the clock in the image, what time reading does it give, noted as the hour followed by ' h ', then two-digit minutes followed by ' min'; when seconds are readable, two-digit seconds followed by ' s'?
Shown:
6 h 42 min 47 s
